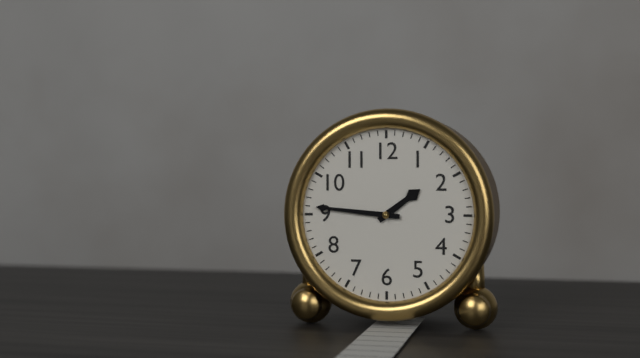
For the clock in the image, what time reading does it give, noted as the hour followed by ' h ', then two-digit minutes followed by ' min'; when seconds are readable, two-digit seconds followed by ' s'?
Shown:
1 h 46 min
